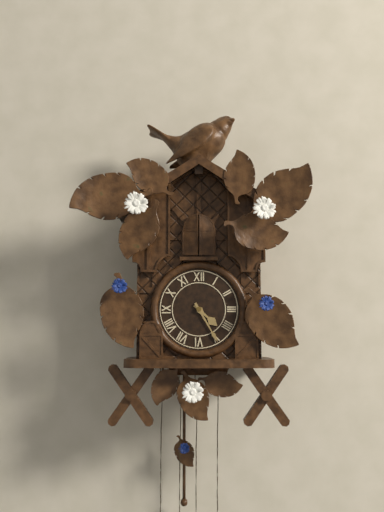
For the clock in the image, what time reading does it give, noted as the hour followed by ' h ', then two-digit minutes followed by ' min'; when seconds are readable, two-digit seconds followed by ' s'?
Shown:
4 h 25 min
